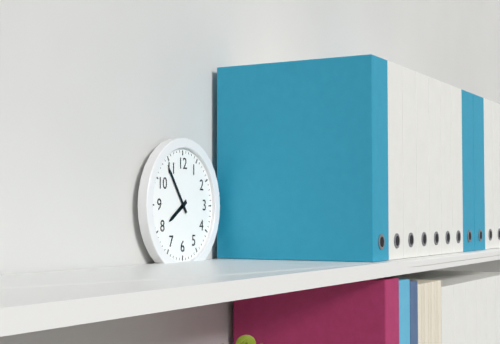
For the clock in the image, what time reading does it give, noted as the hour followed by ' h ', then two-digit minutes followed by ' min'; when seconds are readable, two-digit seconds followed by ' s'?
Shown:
7 h 54 min
